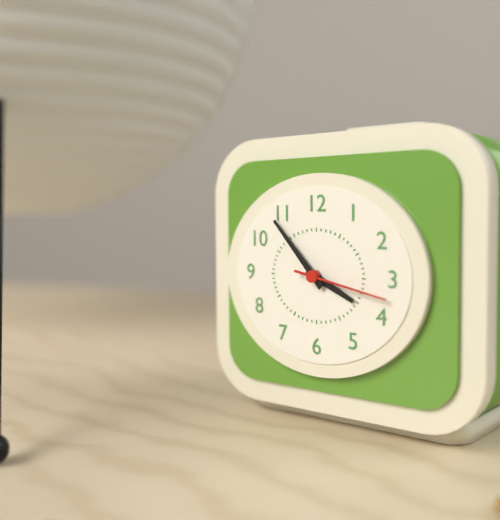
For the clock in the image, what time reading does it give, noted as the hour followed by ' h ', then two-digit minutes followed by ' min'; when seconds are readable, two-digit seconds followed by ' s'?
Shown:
3 h 53 min 17 s
